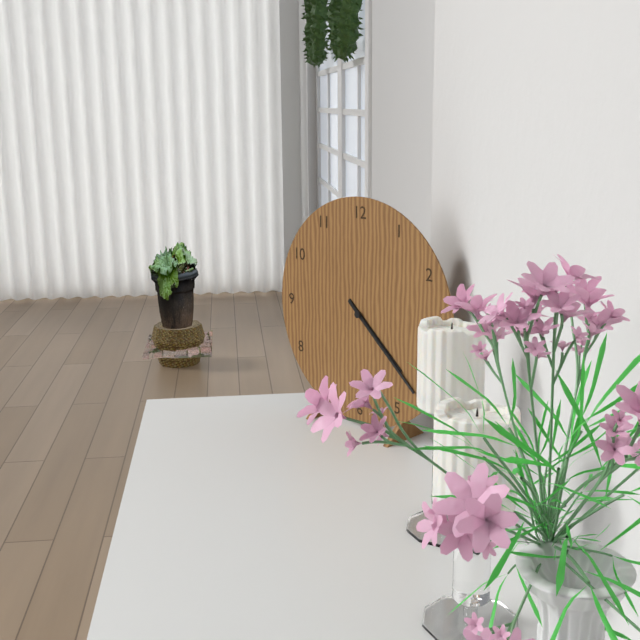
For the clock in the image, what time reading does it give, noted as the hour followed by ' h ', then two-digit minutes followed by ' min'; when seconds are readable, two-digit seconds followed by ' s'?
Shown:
4 h 22 min
